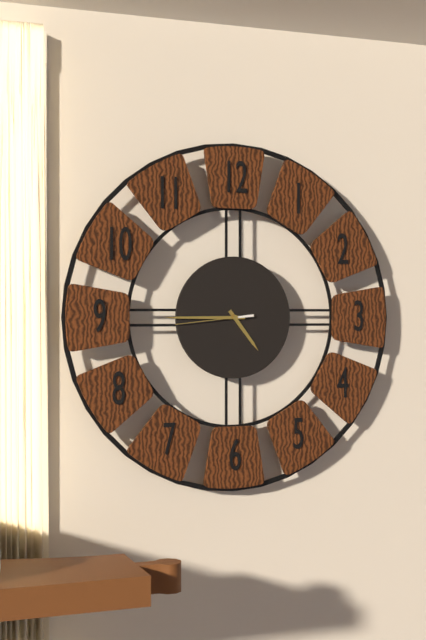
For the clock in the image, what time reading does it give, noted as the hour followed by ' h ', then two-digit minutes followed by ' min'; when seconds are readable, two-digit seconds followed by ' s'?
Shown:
4 h 45 min 44 s
